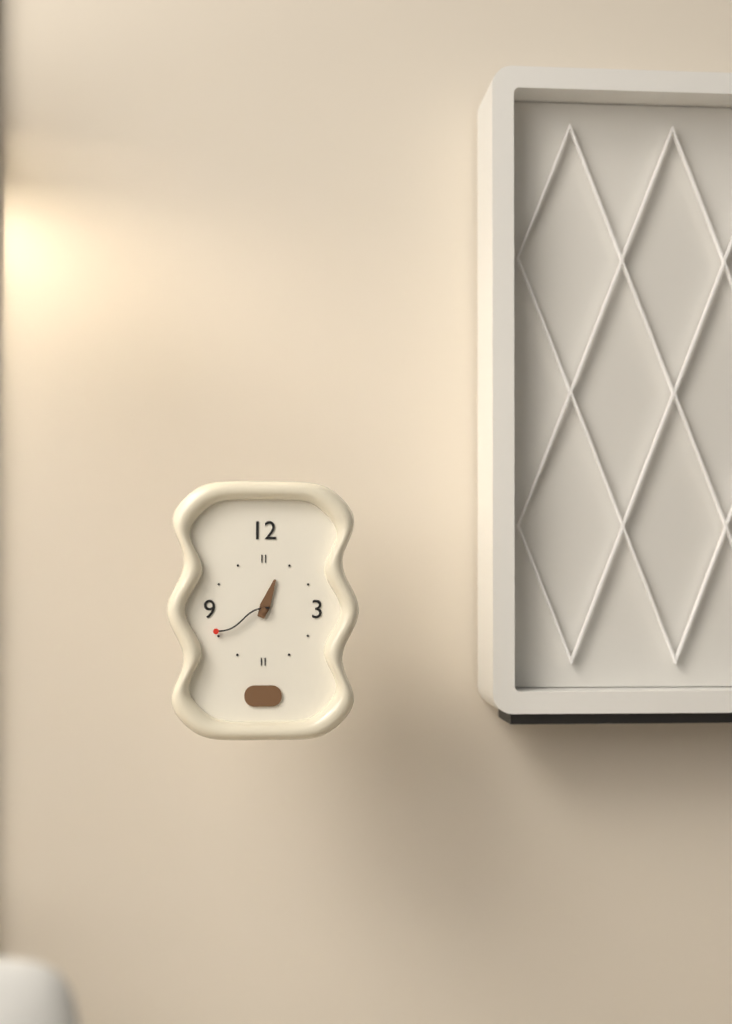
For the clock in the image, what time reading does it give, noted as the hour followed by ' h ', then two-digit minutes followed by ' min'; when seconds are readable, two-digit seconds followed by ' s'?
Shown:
12 h 41 min
